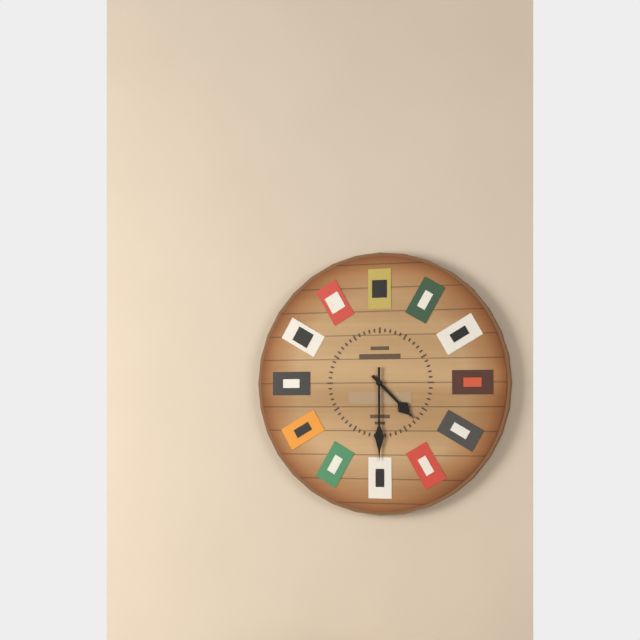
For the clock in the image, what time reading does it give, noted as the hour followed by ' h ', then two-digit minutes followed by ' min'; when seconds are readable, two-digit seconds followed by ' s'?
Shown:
4 h 30 min
